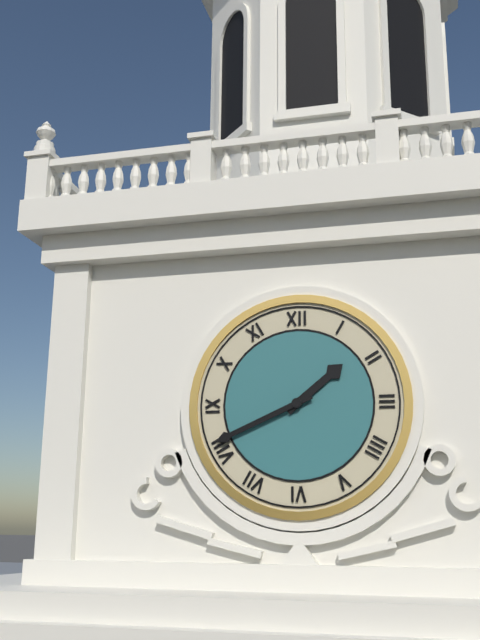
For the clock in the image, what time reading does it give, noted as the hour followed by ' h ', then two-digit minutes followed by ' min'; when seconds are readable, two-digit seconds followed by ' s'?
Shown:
1 h 41 min
